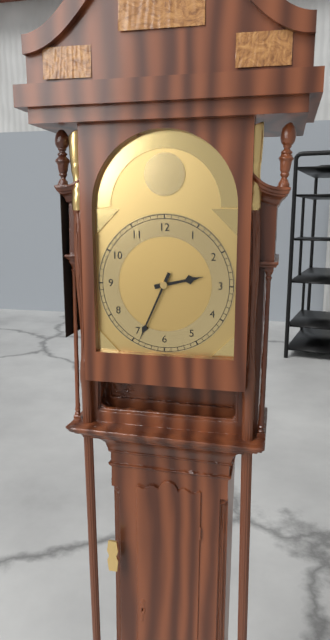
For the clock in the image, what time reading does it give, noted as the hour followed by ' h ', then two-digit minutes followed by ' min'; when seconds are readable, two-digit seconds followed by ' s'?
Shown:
2 h 34 min
